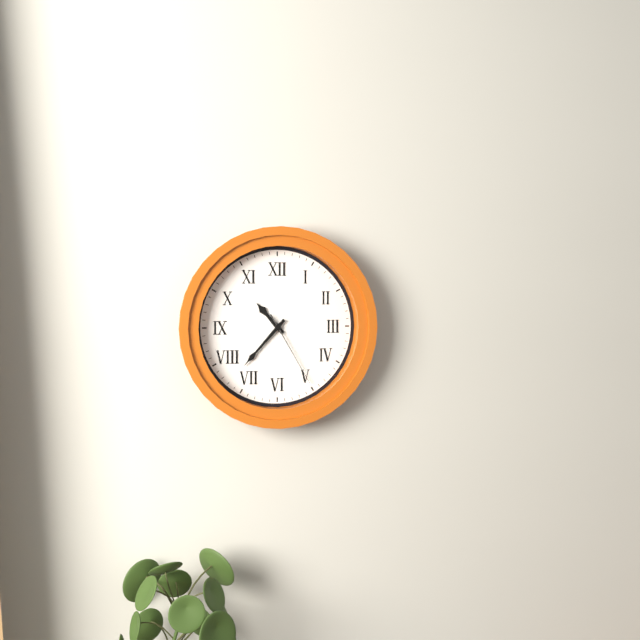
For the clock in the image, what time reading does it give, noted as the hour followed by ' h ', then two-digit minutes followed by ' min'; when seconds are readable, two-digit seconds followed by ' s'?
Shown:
10 h 37 min 25 s
